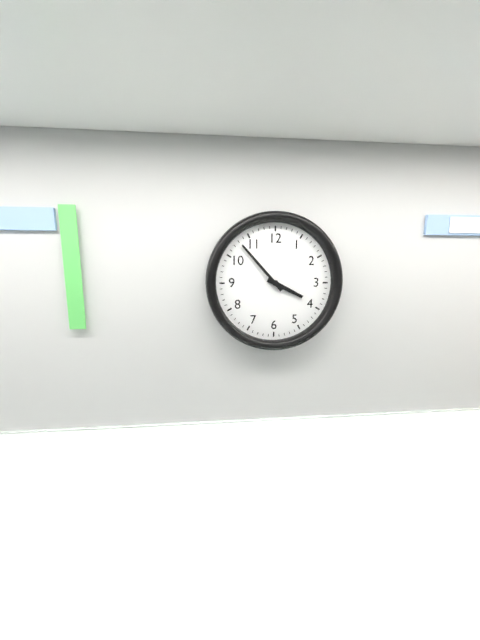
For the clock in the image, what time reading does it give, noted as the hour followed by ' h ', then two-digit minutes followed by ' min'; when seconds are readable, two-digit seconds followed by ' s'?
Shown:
3 h 53 min
